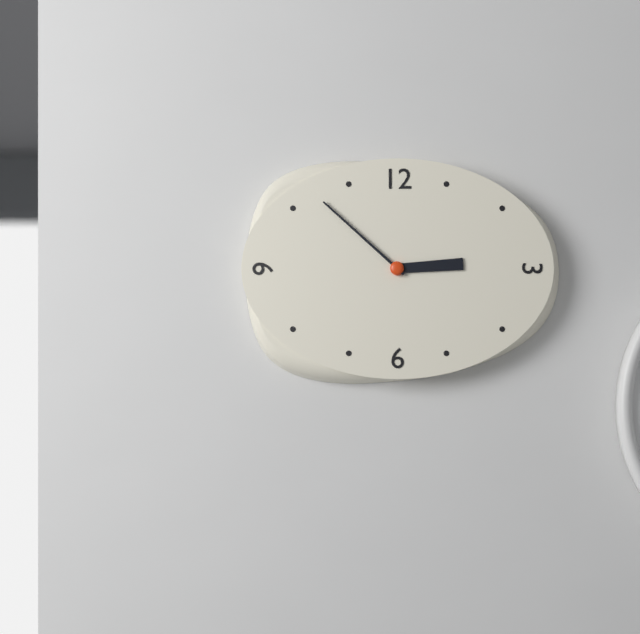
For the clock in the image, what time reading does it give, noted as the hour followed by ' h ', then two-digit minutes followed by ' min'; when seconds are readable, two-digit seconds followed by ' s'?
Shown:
2 h 52 min
